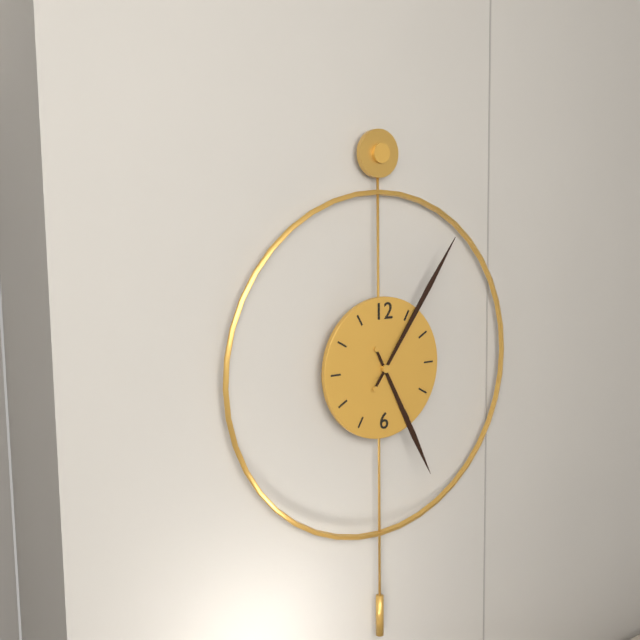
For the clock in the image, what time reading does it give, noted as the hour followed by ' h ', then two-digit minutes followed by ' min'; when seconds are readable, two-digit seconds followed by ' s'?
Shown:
5 h 06 min
